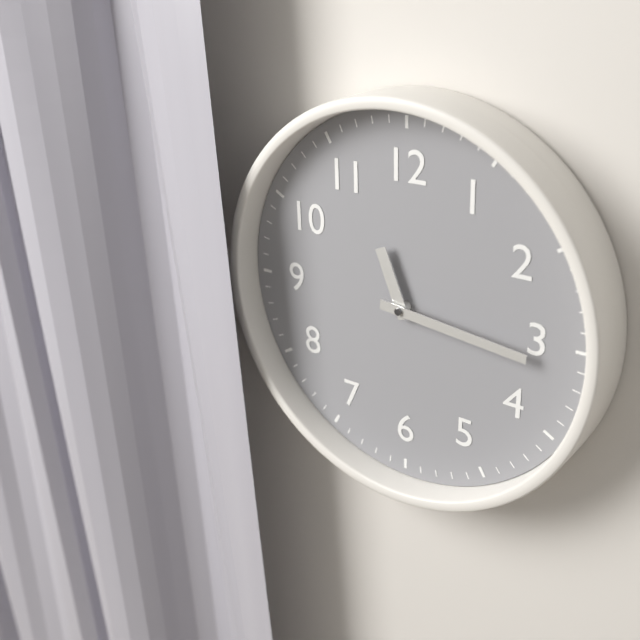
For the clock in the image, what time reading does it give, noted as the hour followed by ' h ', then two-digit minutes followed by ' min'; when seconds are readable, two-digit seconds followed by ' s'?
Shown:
11 h 16 min
